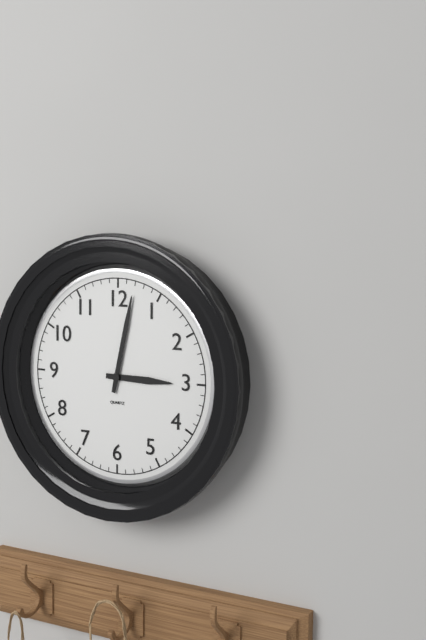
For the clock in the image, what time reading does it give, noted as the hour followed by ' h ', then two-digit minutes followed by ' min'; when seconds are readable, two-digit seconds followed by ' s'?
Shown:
3 h 02 min
